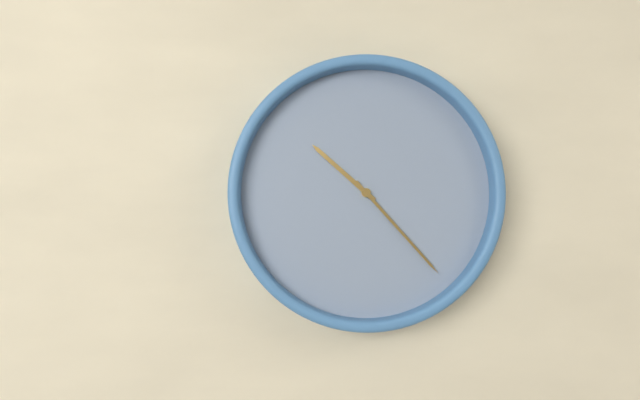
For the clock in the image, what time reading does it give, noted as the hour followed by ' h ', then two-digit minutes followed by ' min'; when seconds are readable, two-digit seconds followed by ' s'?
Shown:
10 h 23 min
